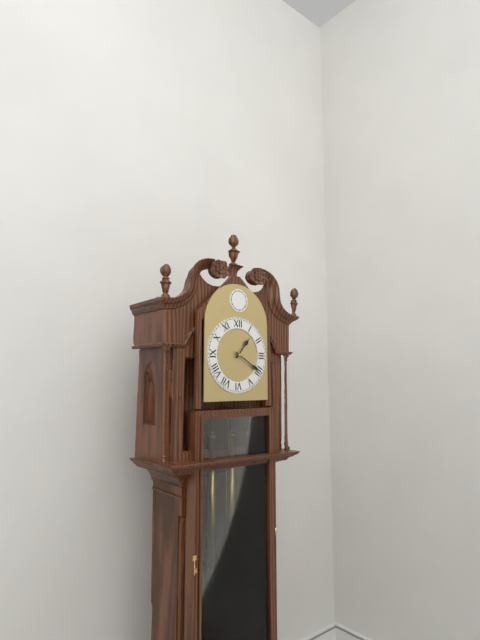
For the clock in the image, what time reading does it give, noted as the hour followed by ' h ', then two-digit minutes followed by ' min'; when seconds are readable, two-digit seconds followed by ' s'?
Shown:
1 h 20 min
